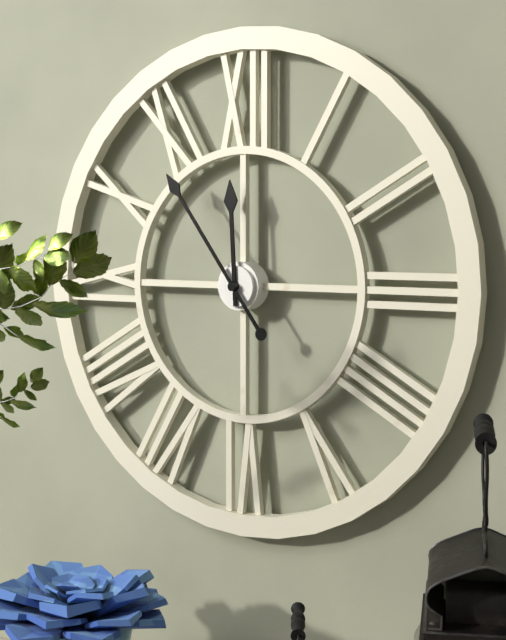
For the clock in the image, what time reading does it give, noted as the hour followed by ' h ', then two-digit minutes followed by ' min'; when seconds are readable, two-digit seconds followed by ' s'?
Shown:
11 h 54 min
